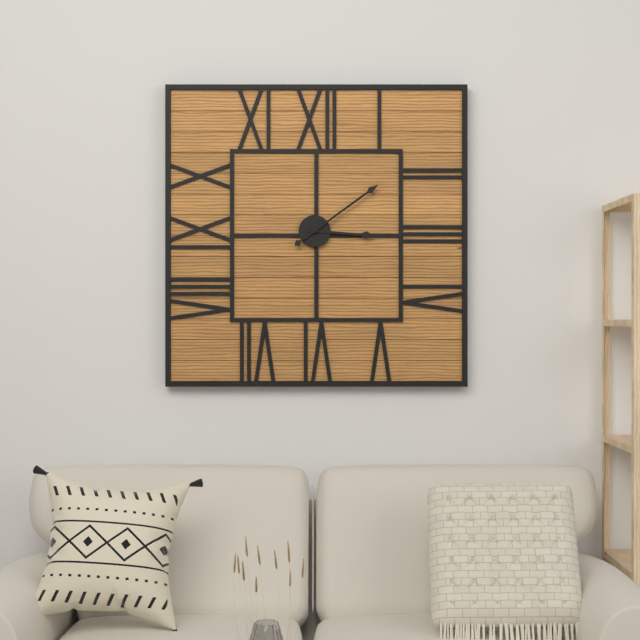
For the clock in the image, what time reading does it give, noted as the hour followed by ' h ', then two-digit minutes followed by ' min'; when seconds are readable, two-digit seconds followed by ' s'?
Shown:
3 h 09 min
